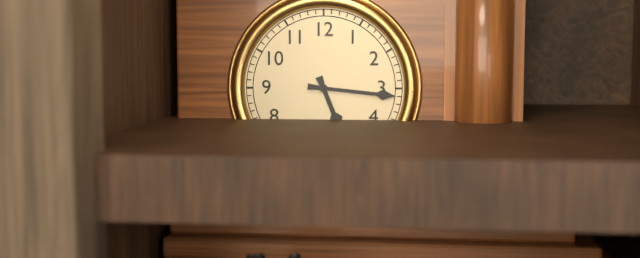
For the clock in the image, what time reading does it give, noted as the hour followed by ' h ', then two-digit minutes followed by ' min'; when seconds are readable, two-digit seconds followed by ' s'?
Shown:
5 h 16 min
